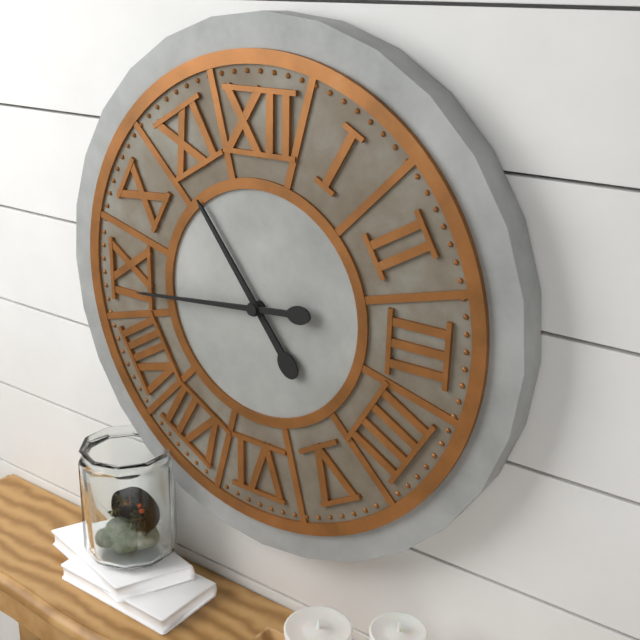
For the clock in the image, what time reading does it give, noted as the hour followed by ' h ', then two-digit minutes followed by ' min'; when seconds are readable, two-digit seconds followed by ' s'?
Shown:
10 h 44 min
